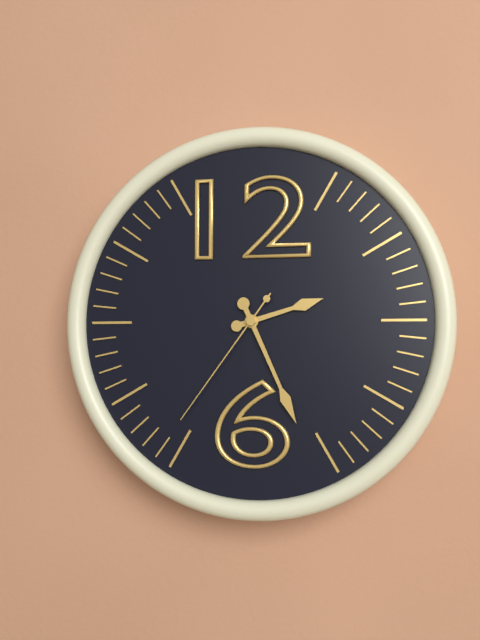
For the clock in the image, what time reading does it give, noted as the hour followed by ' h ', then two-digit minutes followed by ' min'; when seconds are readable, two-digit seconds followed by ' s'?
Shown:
2 h 26 min 36 s
